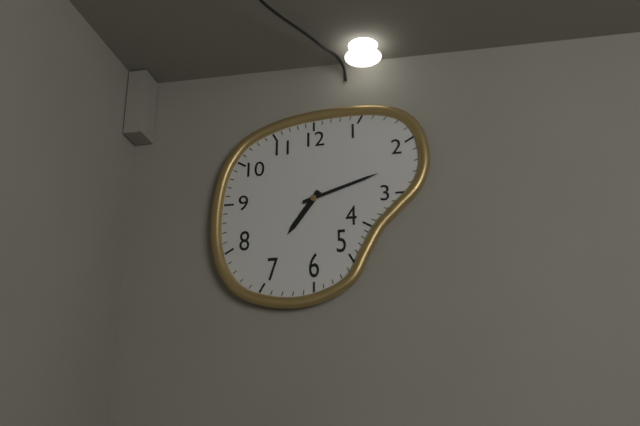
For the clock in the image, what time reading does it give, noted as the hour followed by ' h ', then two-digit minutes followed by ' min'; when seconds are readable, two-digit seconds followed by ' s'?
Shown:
7 h 12 min
